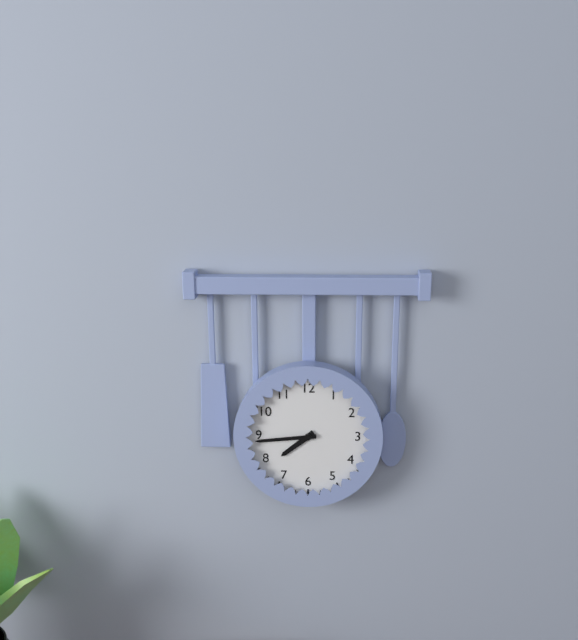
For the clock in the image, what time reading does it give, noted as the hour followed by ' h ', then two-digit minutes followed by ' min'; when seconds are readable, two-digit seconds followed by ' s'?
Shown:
7 h 44 min
